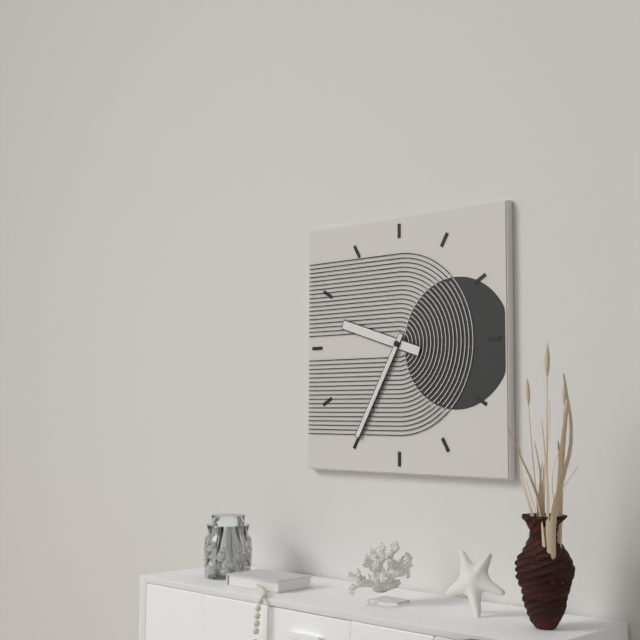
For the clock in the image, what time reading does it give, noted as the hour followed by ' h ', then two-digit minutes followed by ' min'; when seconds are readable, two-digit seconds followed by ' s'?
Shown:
9 h 35 min
